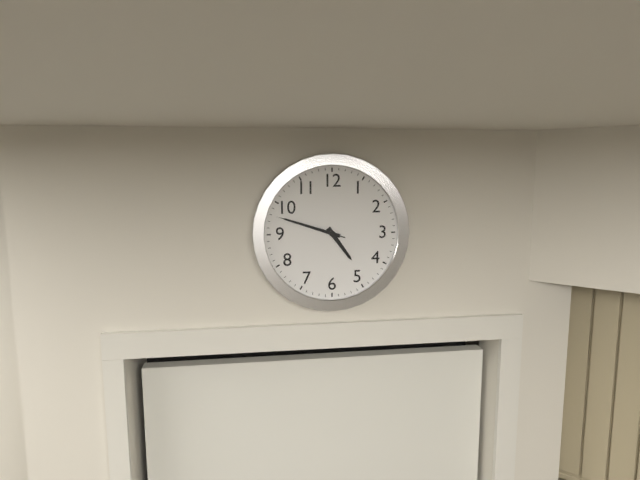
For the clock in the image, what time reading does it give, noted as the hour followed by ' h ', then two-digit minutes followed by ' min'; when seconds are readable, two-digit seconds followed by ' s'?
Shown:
4 h 48 min 48 s
